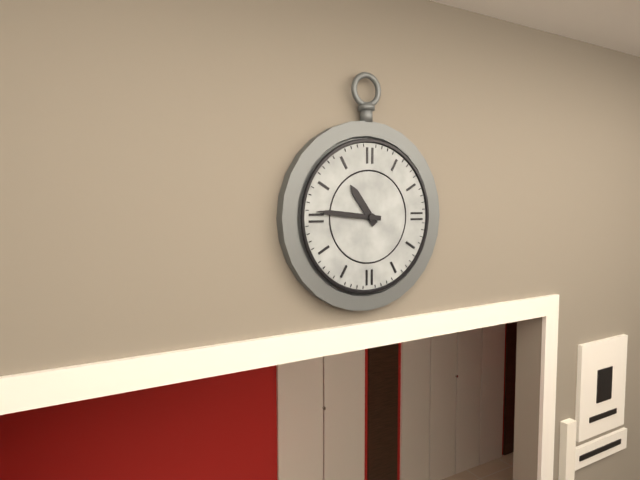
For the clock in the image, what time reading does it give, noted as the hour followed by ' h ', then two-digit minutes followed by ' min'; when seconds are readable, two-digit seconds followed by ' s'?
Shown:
10 h 46 min
